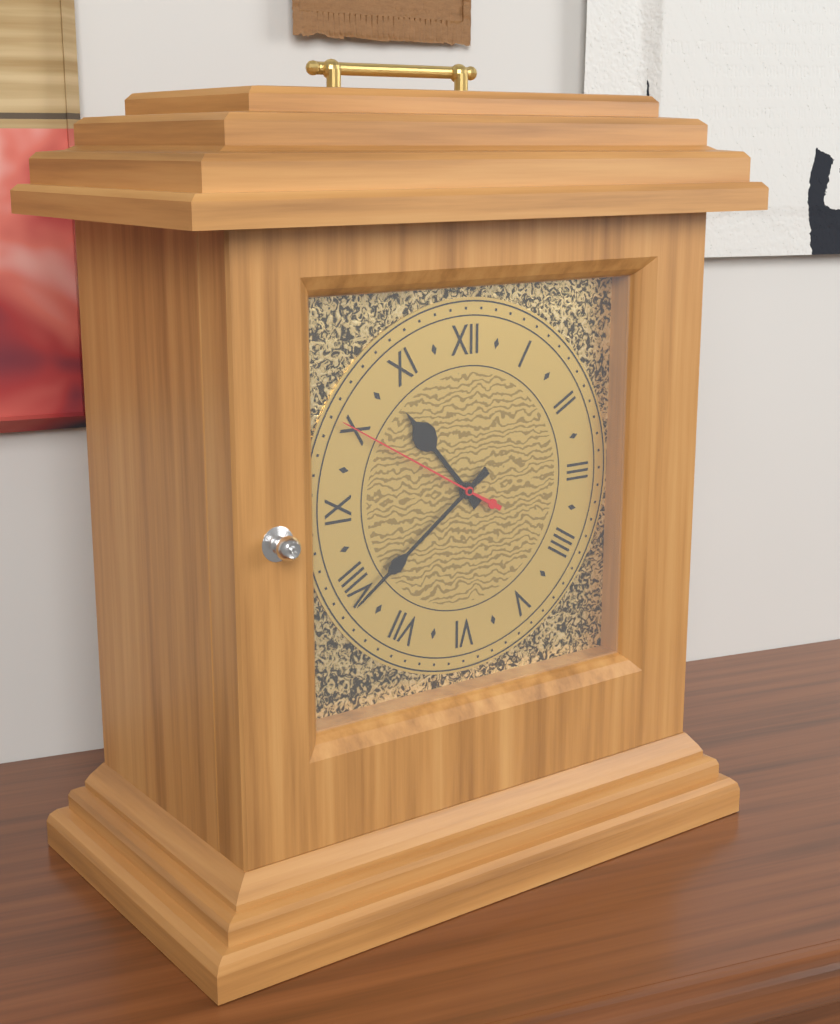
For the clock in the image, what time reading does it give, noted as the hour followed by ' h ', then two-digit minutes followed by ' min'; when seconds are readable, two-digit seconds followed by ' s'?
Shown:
10 h 39 min 50 s
